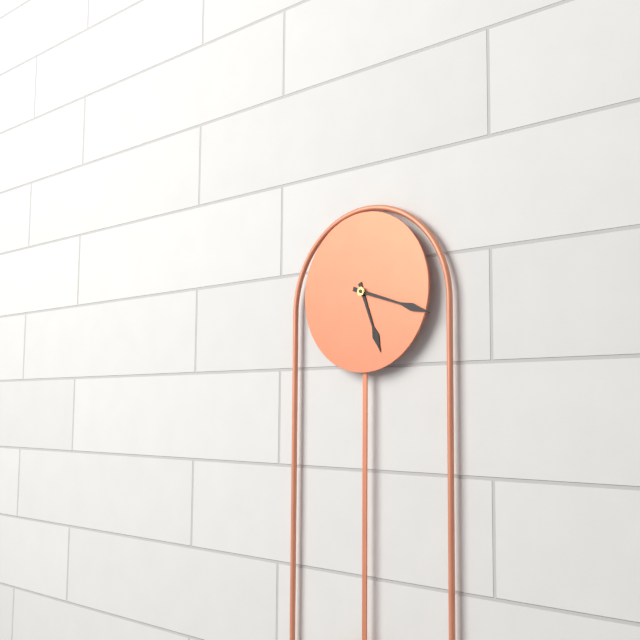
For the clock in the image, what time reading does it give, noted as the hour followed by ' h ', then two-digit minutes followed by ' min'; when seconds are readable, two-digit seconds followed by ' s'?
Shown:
5 h 18 min
